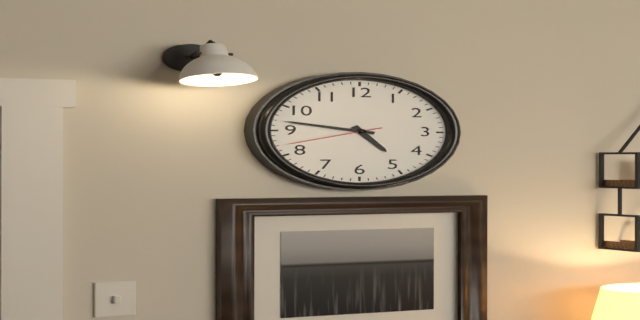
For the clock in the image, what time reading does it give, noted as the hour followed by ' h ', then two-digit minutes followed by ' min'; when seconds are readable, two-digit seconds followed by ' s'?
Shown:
4 h 47 min 42 s
